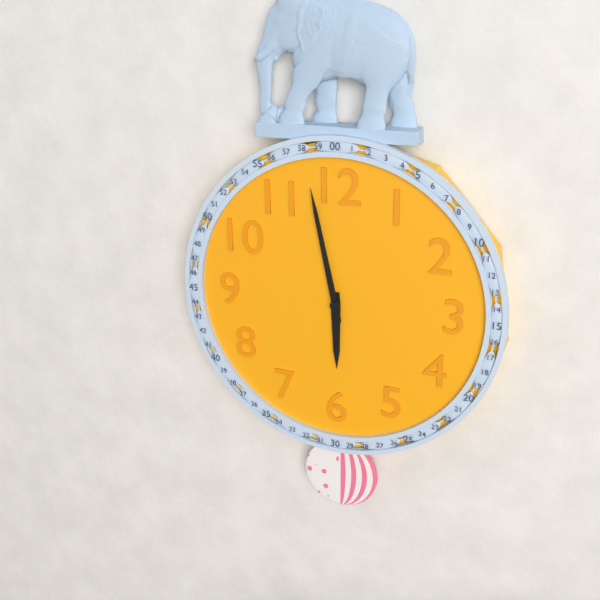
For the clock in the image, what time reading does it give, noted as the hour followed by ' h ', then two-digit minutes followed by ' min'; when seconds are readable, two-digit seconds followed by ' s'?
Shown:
5 h 58 min
